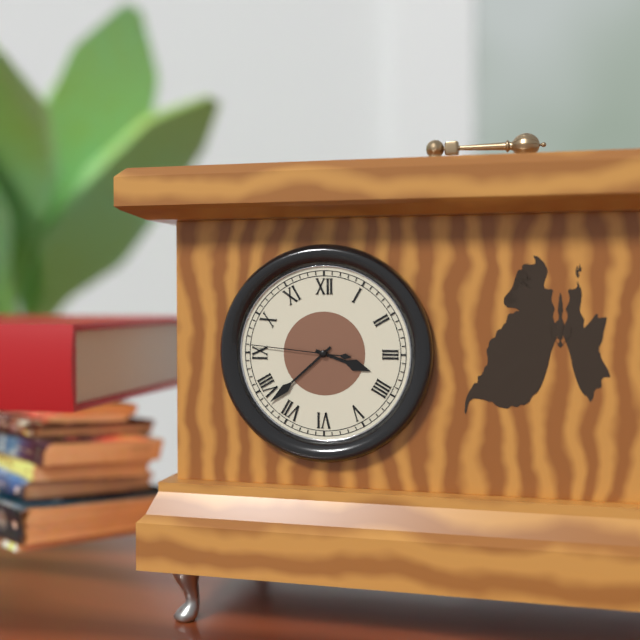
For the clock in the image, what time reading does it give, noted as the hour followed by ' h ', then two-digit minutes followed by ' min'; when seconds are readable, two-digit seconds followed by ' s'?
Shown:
3 h 38 min 46 s
